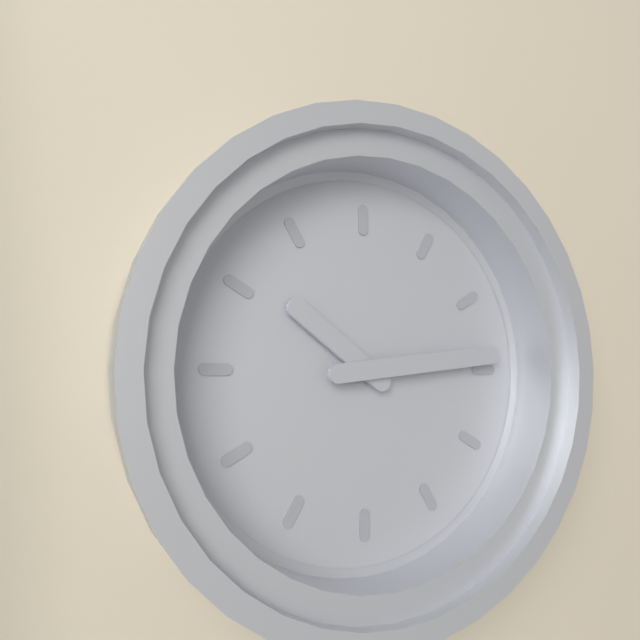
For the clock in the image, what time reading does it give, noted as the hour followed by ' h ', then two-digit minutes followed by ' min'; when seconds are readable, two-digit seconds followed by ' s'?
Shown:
10 h 14 min
